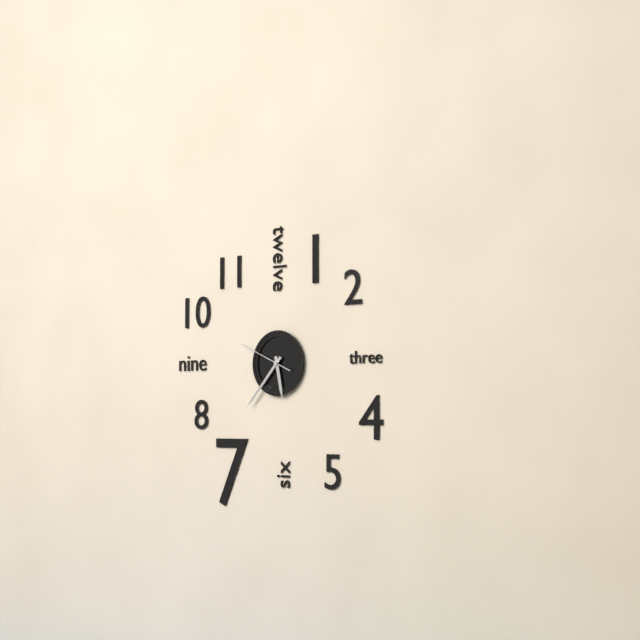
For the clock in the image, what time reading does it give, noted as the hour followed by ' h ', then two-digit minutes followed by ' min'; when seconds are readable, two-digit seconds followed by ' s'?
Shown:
5 h 37 min 49 s
